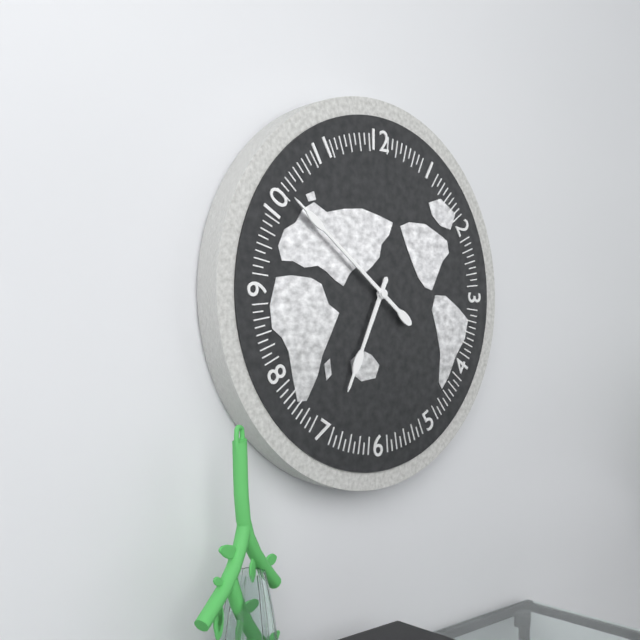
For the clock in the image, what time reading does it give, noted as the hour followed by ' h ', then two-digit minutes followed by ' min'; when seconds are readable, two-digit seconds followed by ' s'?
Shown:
6 h 51 min
